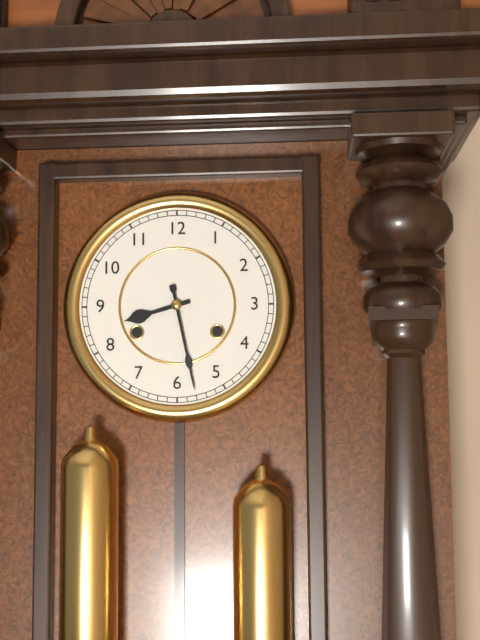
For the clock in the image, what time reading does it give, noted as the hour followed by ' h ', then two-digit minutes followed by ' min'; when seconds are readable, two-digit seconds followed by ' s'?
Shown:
8 h 28 min
